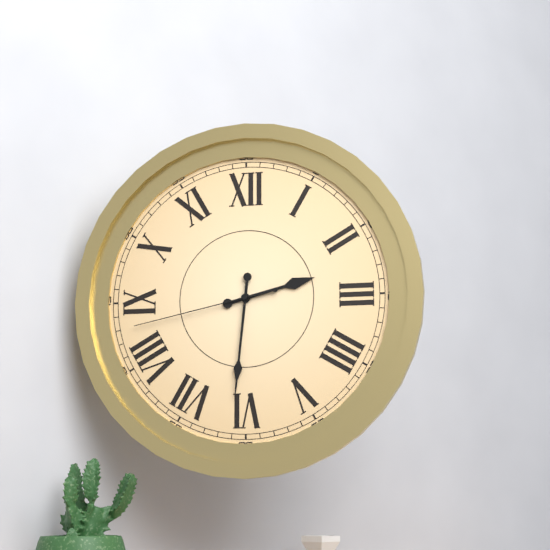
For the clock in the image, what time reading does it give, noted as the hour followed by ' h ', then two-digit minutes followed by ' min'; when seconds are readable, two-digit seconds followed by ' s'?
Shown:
2 h 31 min 43 s
